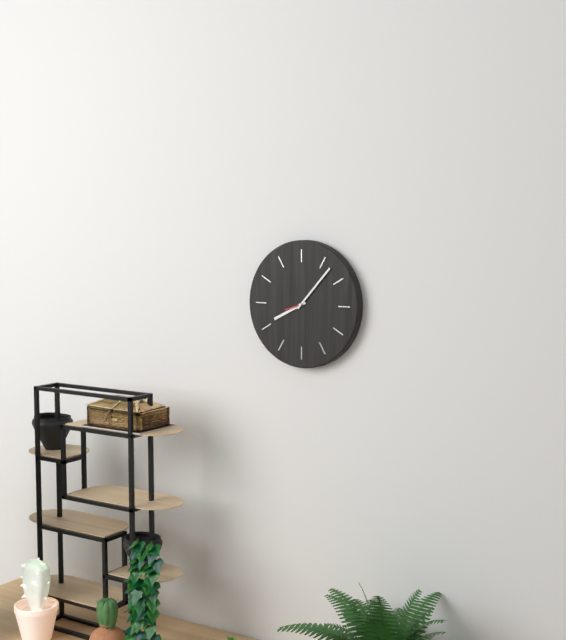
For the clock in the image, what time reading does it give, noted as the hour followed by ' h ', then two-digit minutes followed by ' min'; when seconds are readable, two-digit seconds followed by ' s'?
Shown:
8 h 07 min
